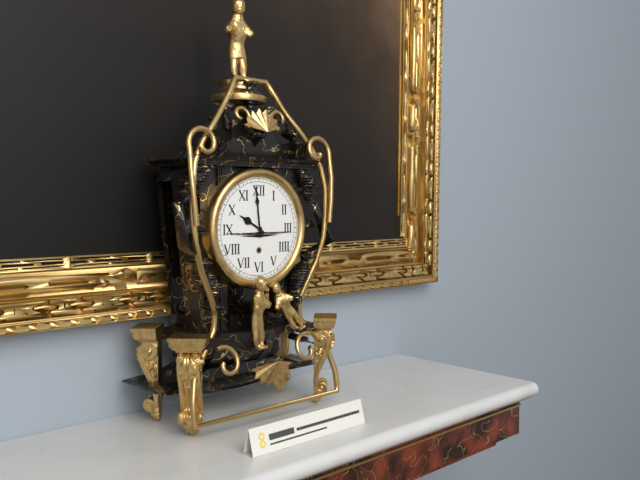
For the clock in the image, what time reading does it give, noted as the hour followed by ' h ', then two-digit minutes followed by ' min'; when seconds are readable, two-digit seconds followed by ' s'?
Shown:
9 h 59 min
